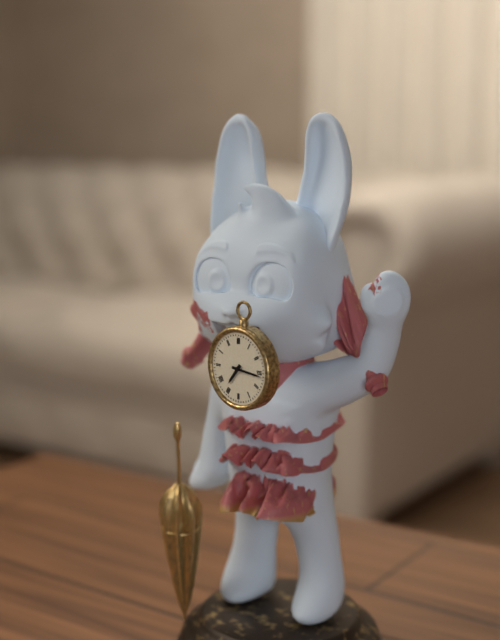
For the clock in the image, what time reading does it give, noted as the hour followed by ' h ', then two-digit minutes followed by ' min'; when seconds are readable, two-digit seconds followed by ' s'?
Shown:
7 h 16 min
